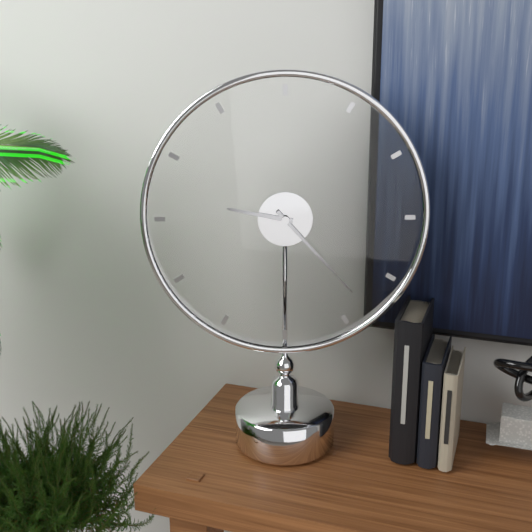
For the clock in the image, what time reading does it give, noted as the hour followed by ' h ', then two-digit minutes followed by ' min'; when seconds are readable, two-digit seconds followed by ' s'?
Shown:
9 h 23 min
